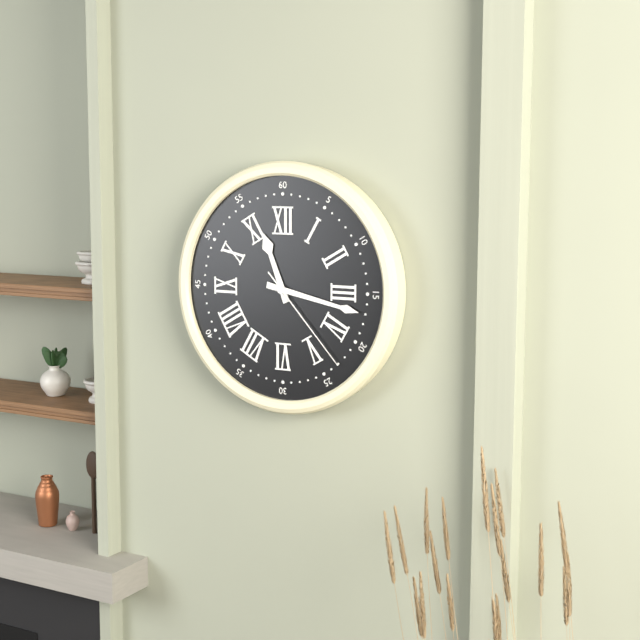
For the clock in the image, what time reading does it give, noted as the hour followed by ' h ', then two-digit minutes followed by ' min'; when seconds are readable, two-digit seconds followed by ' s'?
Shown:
11 h 17 min 23 s
